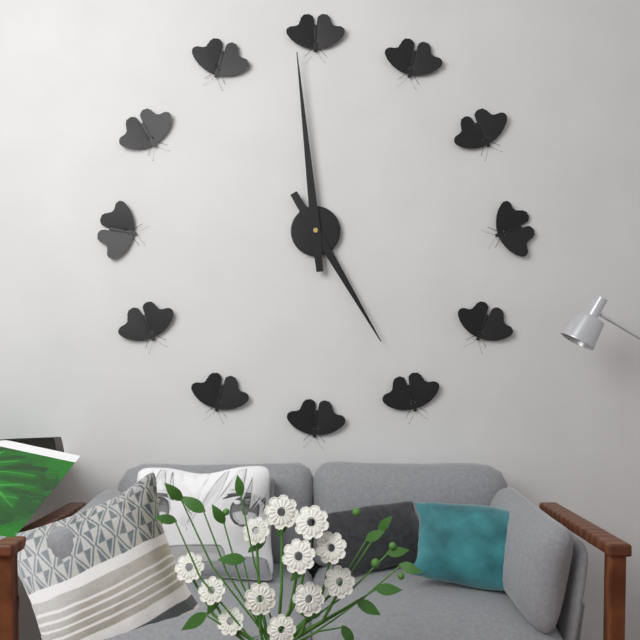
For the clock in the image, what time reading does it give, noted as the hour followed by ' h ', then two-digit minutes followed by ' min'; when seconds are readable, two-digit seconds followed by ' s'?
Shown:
4 h 59 min
